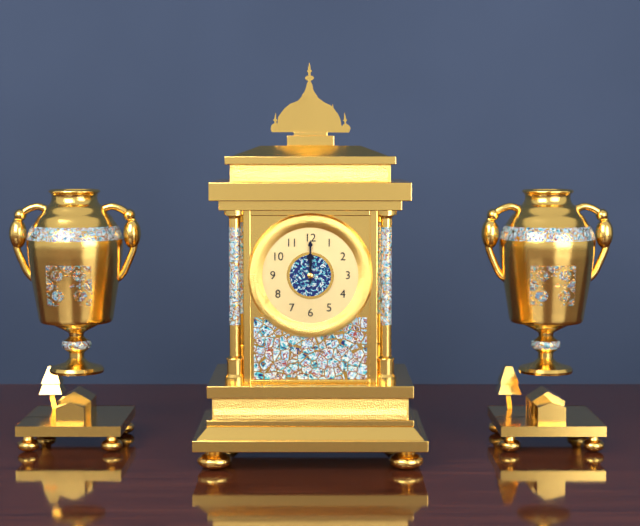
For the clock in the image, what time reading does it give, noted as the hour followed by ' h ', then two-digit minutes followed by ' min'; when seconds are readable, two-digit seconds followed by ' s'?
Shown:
12 h 00 min
